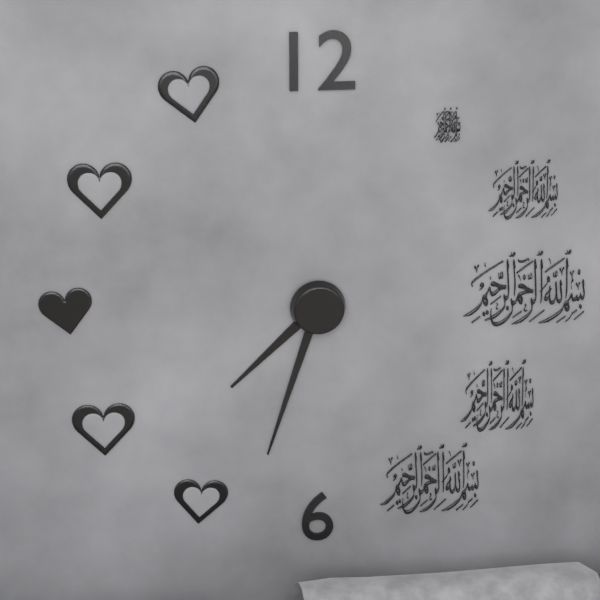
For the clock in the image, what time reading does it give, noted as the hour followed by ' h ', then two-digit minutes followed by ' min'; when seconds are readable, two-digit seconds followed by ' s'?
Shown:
7 h 33 min
